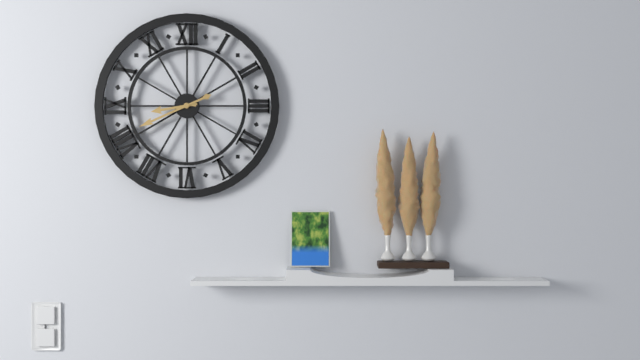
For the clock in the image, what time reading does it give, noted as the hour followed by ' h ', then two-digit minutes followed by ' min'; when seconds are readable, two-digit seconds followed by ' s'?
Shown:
8 h 41 min
